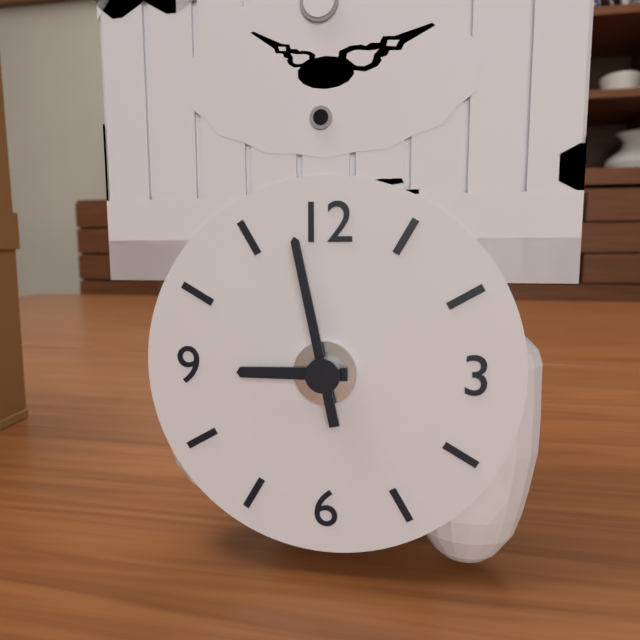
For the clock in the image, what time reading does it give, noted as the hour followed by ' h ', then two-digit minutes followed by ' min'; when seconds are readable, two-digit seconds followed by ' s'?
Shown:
8 h 58 min
